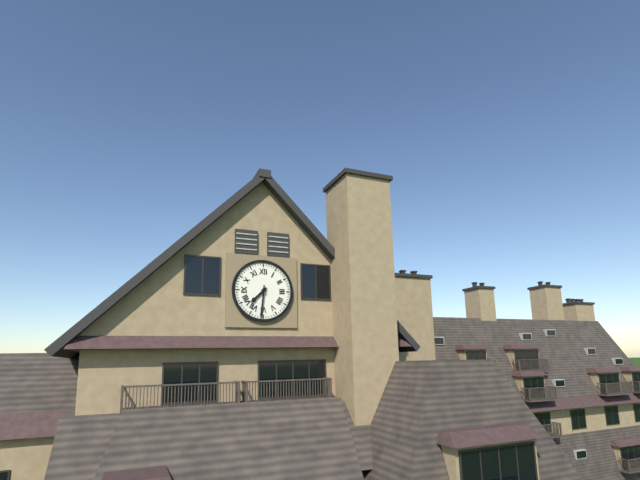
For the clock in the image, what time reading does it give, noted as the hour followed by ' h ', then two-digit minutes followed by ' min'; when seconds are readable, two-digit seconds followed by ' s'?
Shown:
7 h 31 min
